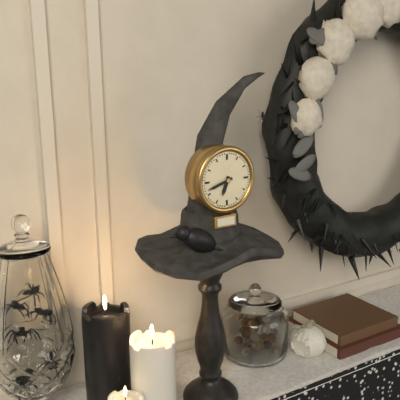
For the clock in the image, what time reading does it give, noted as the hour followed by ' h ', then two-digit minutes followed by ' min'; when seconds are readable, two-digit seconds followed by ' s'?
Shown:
6 h 42 min
